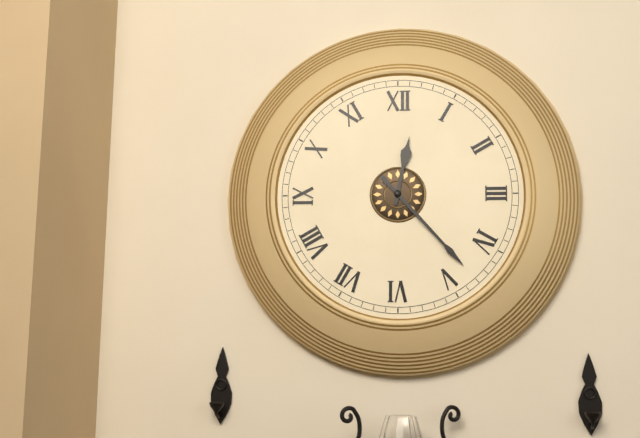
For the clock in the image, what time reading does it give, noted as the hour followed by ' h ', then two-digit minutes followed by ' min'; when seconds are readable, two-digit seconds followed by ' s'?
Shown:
12 h 23 min
